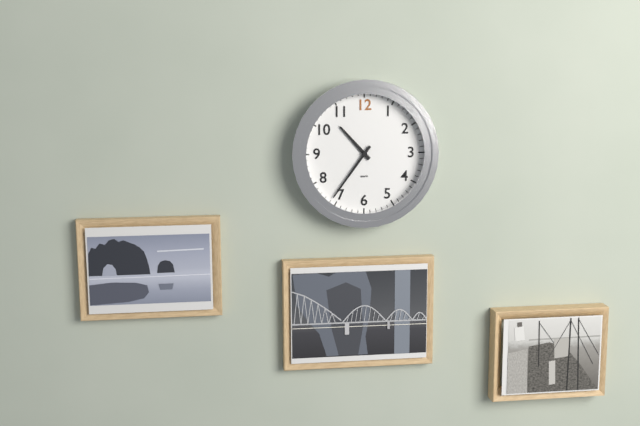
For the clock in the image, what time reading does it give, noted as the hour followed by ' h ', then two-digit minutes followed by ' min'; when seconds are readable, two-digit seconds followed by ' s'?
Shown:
10 h 36 min
